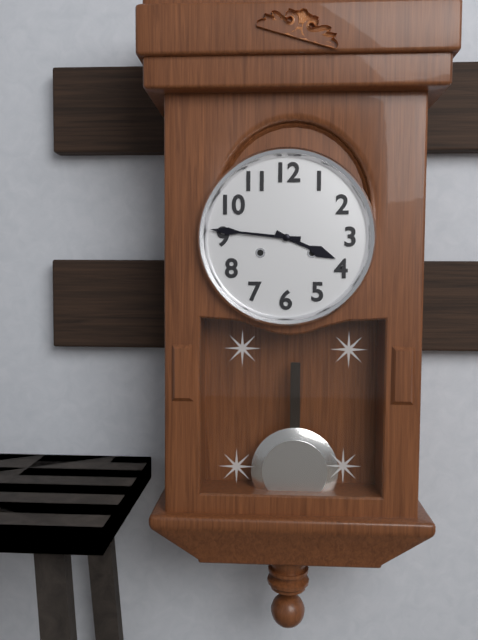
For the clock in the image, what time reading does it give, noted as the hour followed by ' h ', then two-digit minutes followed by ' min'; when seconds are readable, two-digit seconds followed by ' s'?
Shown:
3 h 46 min
